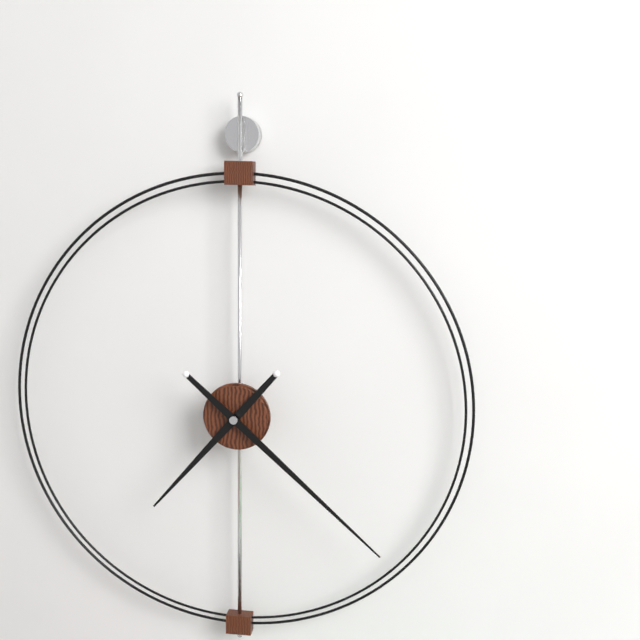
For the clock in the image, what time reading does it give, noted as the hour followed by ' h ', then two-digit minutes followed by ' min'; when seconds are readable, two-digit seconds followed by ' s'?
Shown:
7 h 22 min
